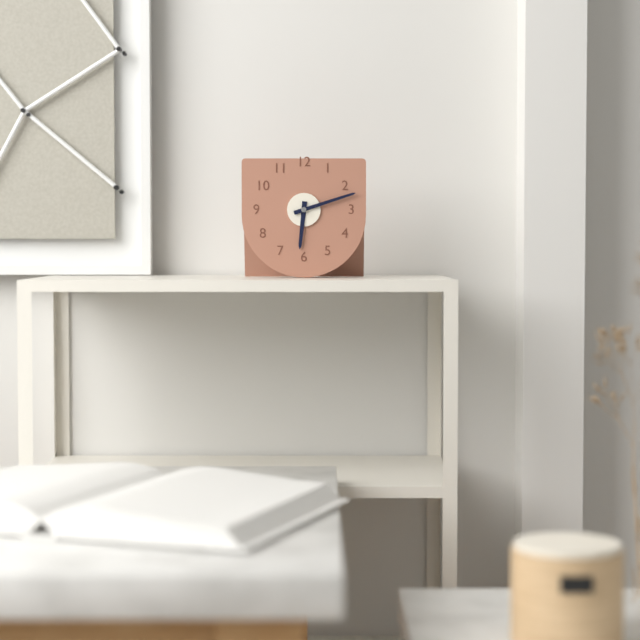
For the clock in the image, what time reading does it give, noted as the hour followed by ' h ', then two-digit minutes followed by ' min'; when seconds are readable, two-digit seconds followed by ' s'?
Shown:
6 h 12 min
